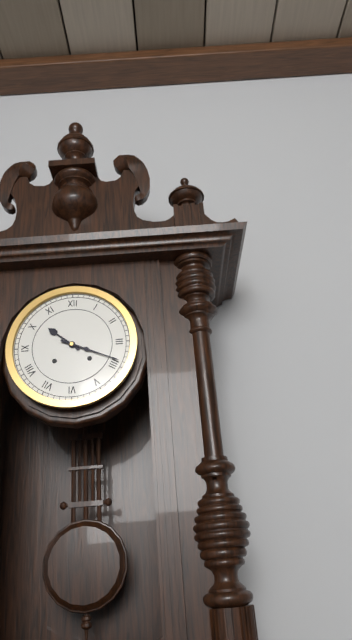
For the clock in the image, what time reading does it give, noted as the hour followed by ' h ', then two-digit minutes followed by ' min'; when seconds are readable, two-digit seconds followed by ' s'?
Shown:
10 h 19 min
